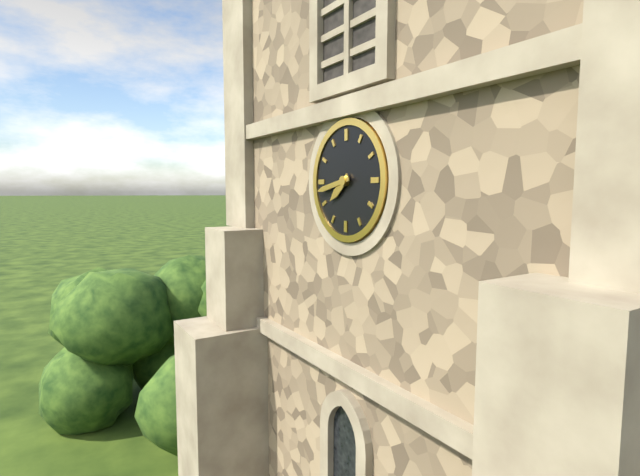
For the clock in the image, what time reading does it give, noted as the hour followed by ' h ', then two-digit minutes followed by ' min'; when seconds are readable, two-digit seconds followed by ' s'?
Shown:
7 h 43 min
